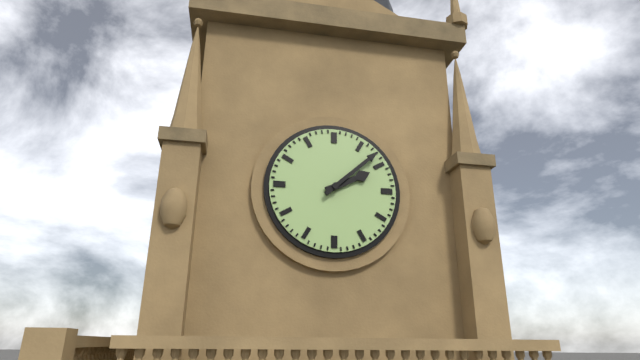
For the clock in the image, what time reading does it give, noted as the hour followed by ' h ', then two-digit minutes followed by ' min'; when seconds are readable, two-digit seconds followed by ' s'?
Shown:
2 h 08 min
